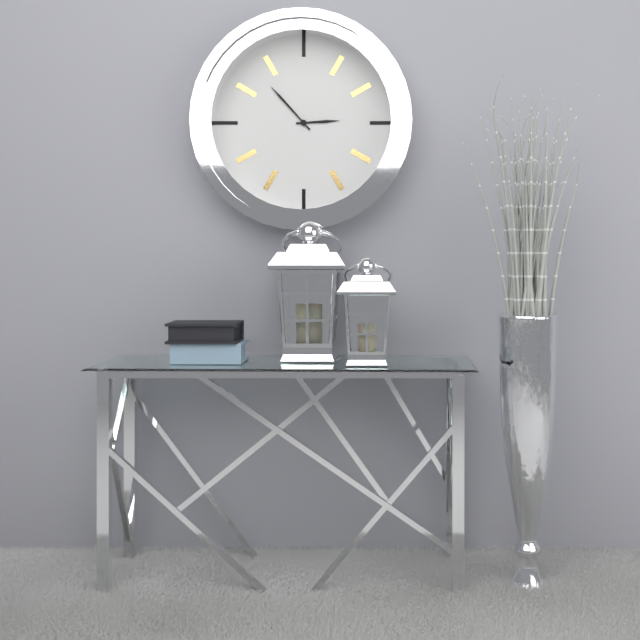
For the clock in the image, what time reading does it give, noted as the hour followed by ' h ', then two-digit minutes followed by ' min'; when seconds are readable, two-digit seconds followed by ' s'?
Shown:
2 h 53 min
